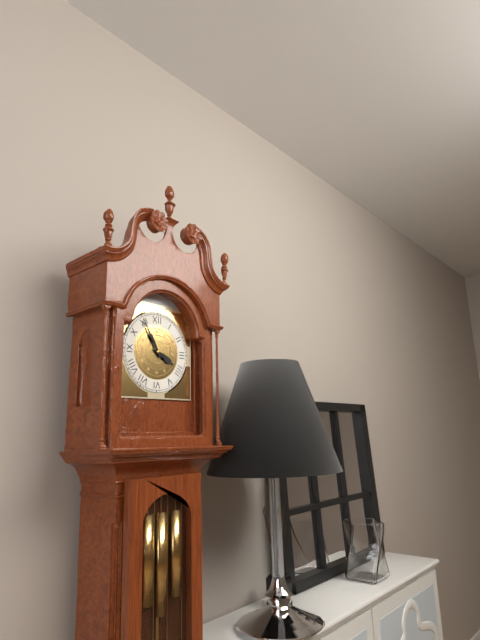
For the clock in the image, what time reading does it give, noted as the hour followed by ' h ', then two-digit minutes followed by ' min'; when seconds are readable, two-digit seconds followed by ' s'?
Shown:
3 h 55 min
